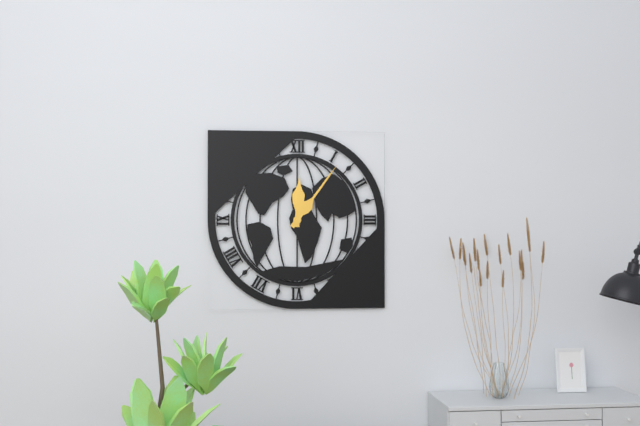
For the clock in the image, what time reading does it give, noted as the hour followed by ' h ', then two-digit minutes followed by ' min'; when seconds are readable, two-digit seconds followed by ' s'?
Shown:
12 h 06 min
